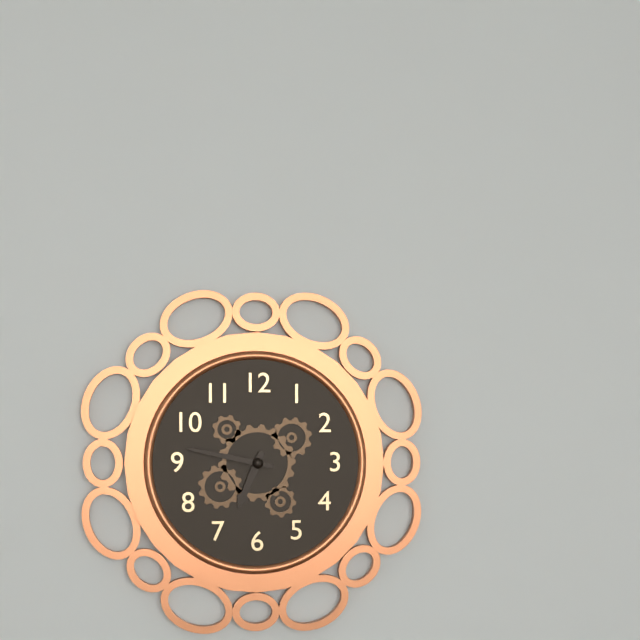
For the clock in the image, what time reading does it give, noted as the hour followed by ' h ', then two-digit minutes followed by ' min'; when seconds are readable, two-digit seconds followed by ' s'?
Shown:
6 h 47 min
